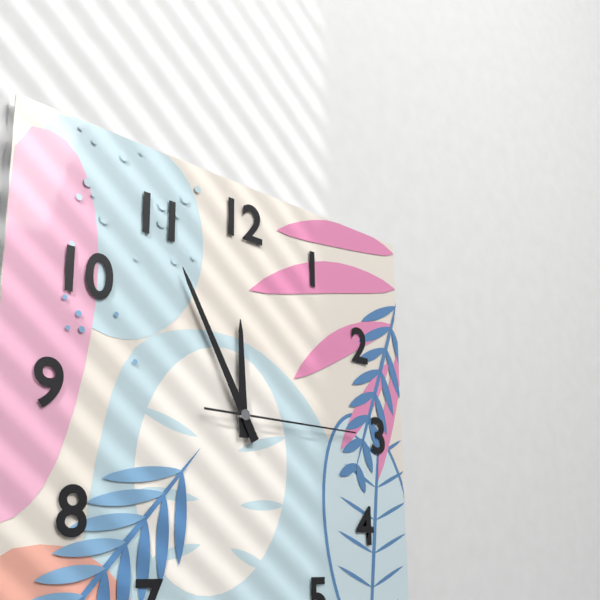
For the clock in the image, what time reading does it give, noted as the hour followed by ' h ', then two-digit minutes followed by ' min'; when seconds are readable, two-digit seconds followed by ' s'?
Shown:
11 h 55 min 15 s
